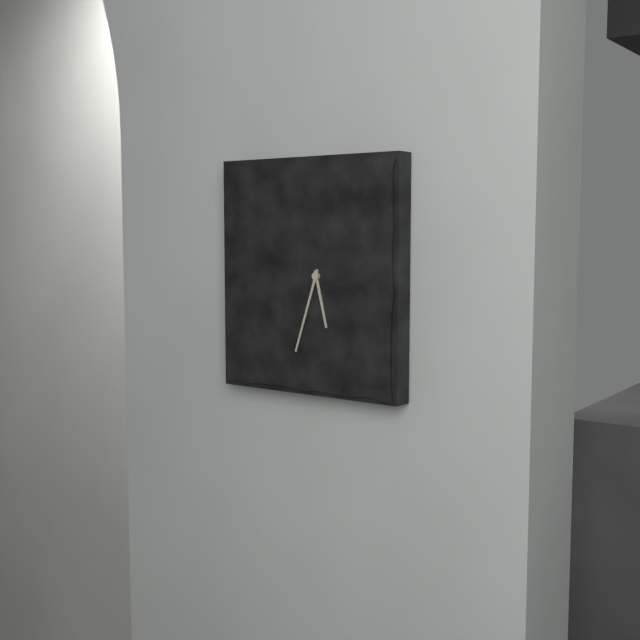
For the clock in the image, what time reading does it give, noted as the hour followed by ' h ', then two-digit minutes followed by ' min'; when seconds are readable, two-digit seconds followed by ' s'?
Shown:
5 h 33 min
